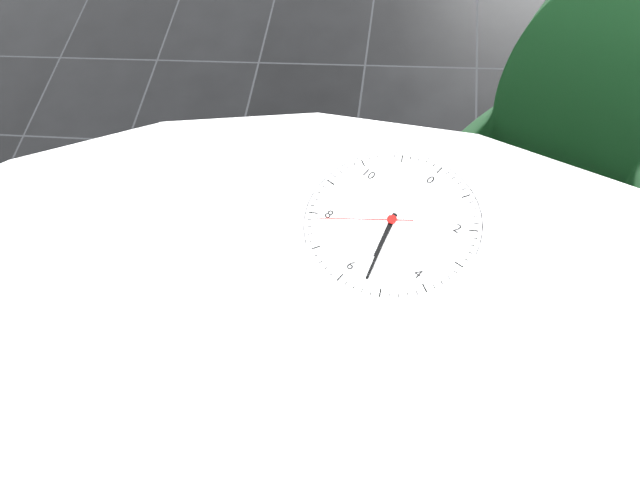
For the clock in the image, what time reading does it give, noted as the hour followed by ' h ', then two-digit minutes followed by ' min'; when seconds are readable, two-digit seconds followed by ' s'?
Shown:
5 h 27 min 39 s
